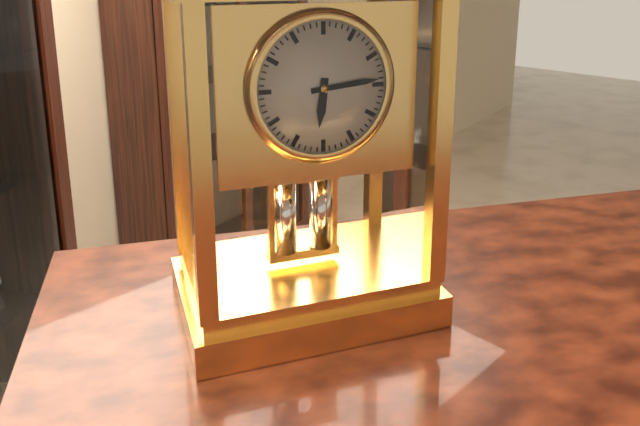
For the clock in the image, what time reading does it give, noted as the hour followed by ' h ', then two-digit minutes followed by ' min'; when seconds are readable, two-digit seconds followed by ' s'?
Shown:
6 h 14 min
